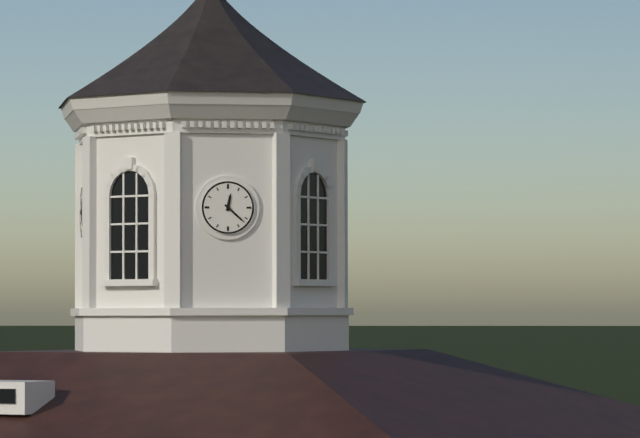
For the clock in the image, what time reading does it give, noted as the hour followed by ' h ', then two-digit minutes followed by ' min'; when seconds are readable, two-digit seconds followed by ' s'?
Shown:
12 h 22 min
